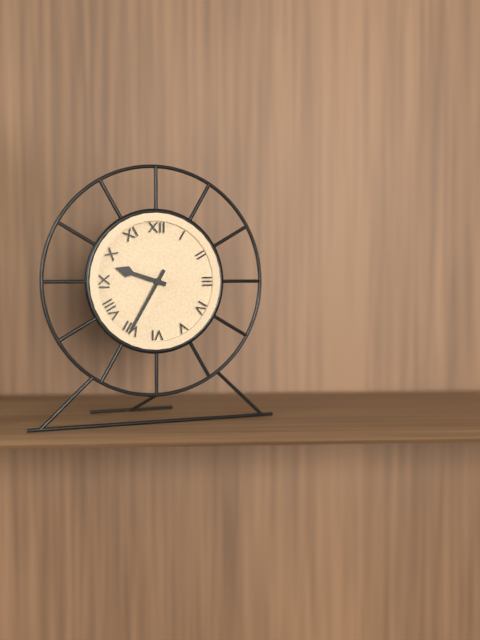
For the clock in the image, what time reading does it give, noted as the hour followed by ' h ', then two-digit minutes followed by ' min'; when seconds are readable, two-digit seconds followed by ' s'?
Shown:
9 h 35 min
